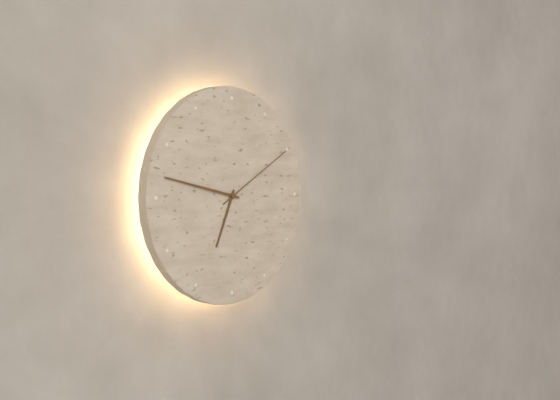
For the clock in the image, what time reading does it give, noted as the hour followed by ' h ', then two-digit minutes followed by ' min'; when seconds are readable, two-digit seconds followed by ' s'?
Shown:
6 h 47 min 10 s
